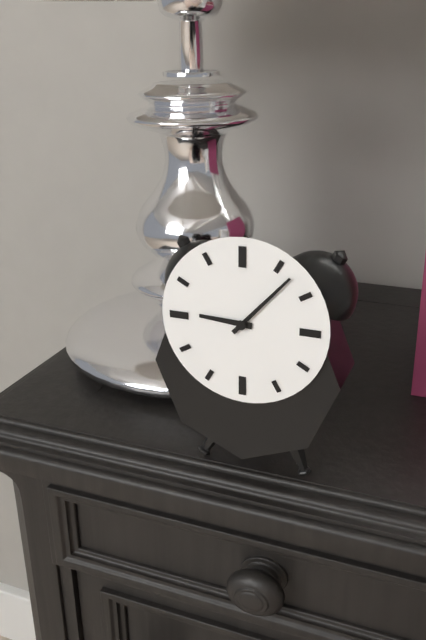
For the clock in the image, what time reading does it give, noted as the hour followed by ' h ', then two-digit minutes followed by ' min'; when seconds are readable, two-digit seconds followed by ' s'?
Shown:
9 h 07 min
